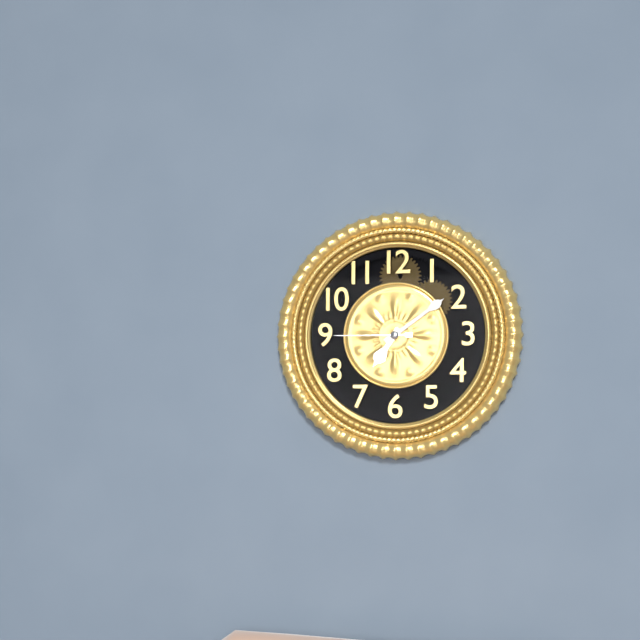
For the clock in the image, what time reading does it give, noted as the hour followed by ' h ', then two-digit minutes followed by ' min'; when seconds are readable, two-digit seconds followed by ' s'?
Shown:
7 h 09 min 45 s
